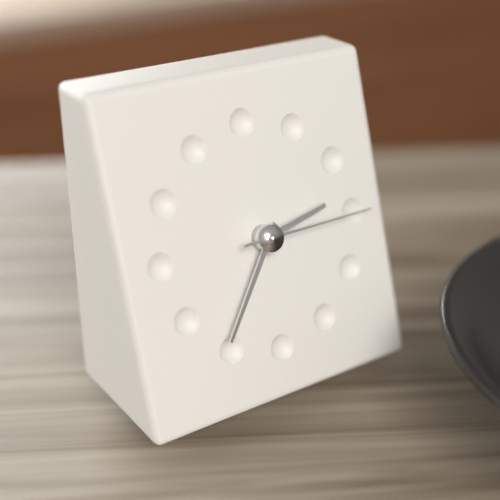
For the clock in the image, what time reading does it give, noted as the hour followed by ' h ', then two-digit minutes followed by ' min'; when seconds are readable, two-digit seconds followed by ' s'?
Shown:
2 h 36 min 15 s
